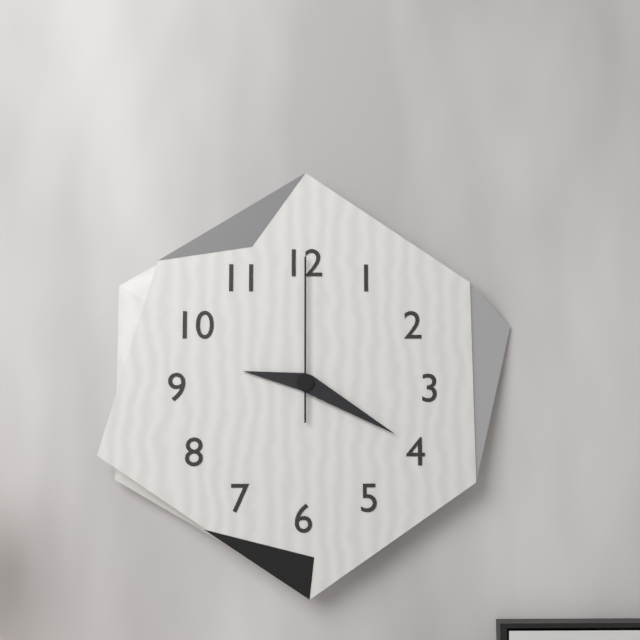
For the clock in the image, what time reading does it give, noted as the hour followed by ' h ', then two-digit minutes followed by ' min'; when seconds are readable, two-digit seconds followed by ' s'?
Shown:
9 h 20 min 00 s
